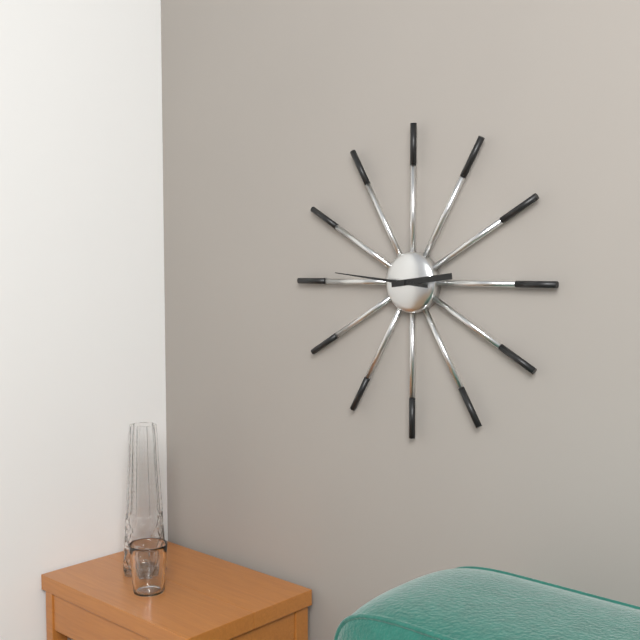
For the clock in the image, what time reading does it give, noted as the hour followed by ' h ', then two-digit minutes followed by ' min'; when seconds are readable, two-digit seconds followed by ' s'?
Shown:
2 h 46 min
